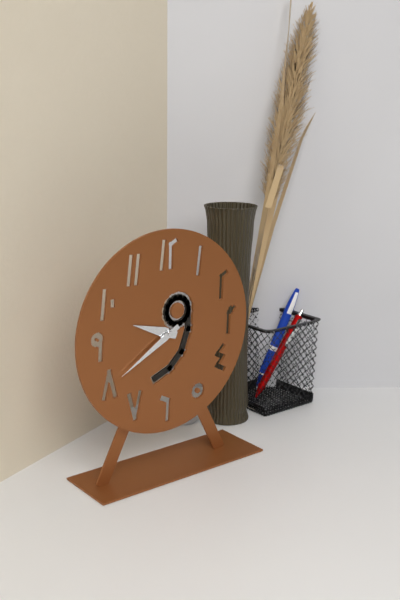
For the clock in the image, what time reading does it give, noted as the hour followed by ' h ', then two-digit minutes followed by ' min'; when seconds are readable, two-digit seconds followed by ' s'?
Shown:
9 h 40 min
